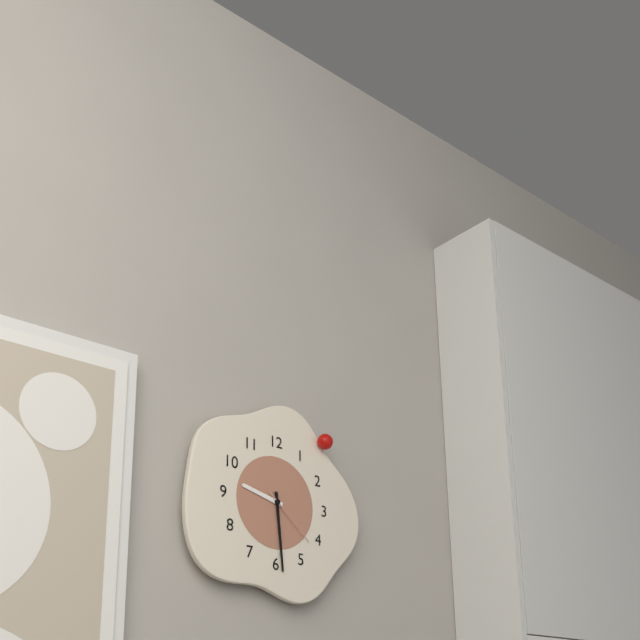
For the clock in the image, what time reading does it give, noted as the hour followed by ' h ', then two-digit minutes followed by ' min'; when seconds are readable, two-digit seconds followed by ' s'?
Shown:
9 h 29 min 22 s
